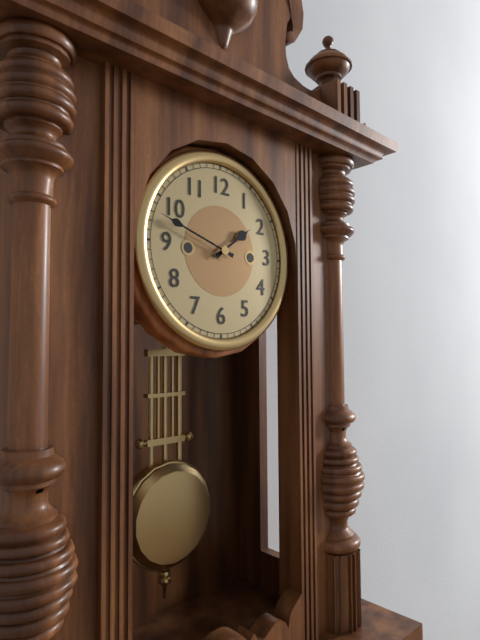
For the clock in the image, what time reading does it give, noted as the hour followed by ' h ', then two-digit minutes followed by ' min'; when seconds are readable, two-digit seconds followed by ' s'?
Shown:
1 h 48 min
